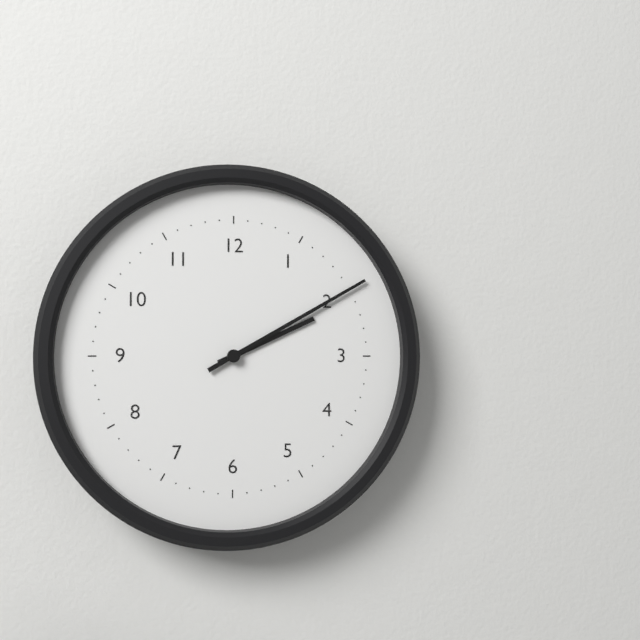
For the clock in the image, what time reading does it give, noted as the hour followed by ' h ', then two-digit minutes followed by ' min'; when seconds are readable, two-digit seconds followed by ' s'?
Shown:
2 h 10 min
